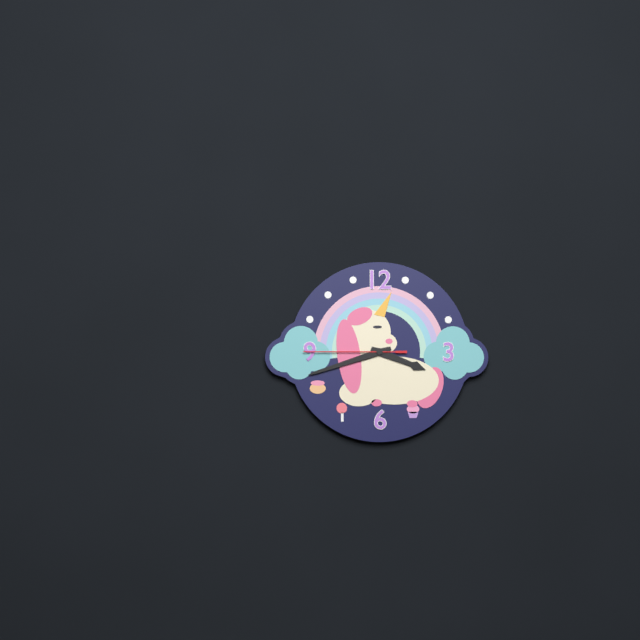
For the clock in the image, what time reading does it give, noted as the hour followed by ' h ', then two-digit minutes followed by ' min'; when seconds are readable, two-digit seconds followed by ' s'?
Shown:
3 h 42 min 45 s
